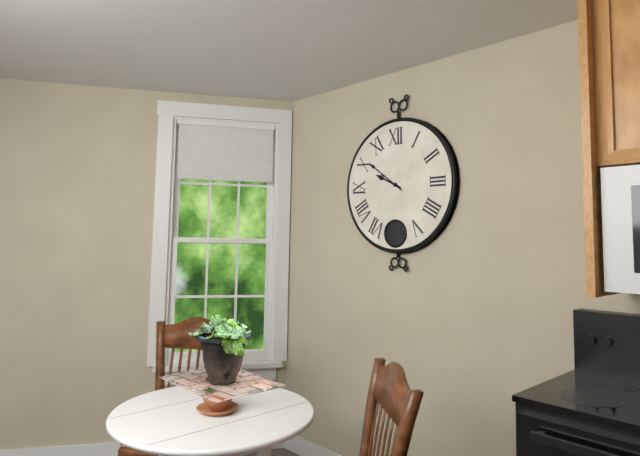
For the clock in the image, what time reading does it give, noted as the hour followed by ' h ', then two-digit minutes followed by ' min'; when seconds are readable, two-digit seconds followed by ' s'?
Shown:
9 h 51 min
